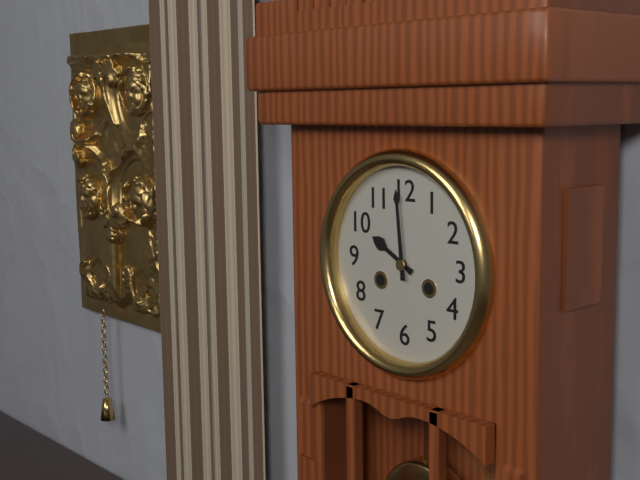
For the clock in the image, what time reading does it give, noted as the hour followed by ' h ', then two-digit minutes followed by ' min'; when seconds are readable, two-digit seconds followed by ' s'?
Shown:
9 h 59 min
